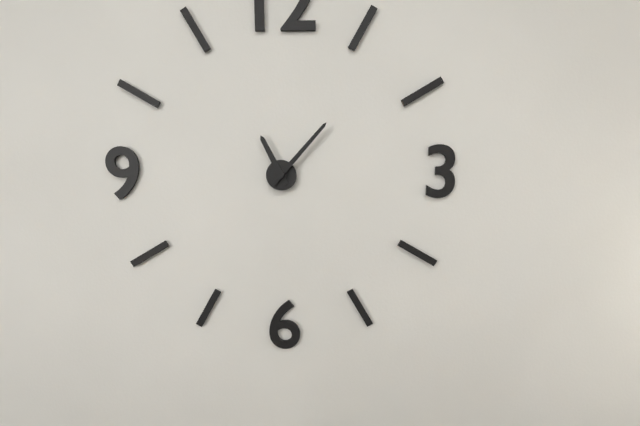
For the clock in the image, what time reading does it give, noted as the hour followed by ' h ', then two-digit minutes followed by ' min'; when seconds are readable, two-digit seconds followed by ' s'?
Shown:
11 h 07 min
